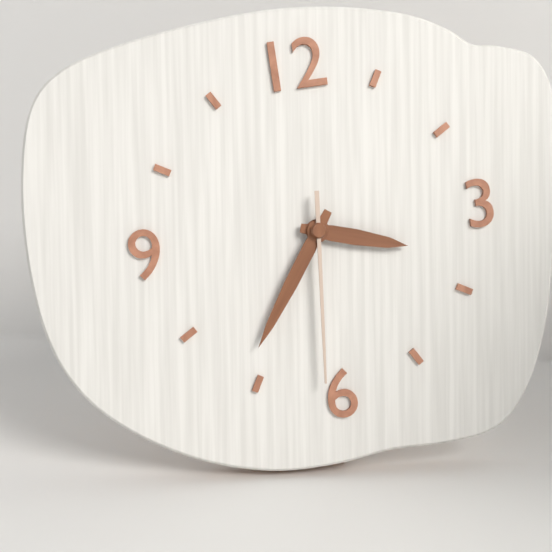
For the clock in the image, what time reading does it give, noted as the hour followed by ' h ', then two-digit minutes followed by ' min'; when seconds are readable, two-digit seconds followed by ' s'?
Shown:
3 h 36 min 31 s
